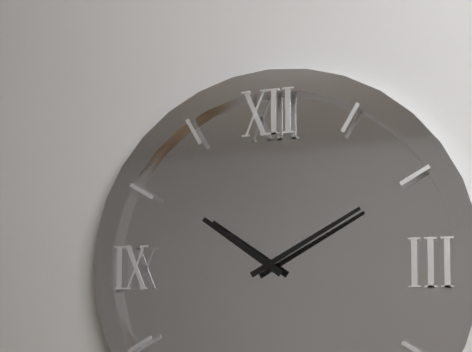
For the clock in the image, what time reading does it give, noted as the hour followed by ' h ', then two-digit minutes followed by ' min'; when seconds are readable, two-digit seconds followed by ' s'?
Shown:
10 h 10 min
